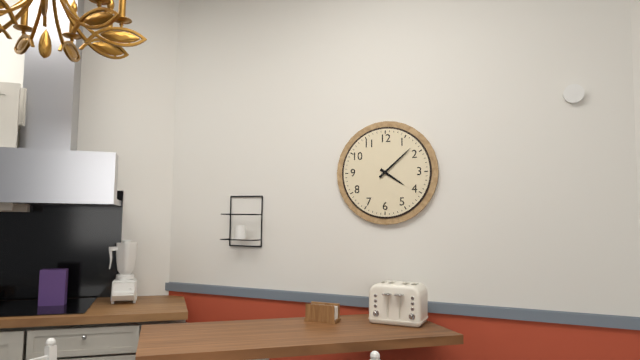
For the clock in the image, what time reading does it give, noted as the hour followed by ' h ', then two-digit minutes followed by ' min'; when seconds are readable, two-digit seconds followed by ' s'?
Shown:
4 h 08 min
